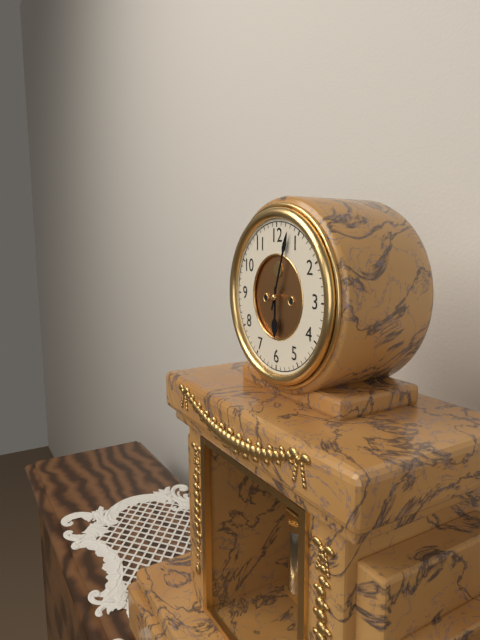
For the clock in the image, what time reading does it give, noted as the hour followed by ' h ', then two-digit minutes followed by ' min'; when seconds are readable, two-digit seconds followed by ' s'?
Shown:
6 h 03 min
